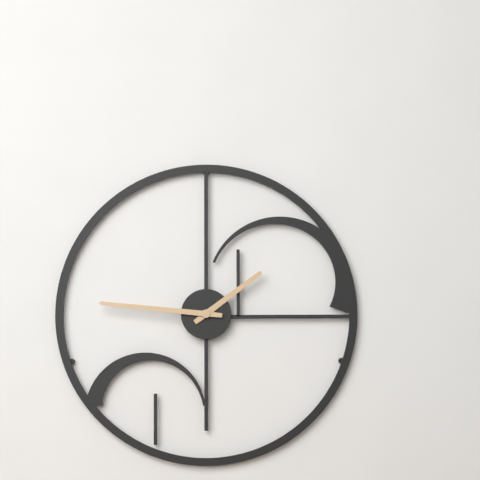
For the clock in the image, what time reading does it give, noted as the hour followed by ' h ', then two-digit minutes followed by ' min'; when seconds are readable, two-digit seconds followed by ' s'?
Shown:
1 h 46 min
